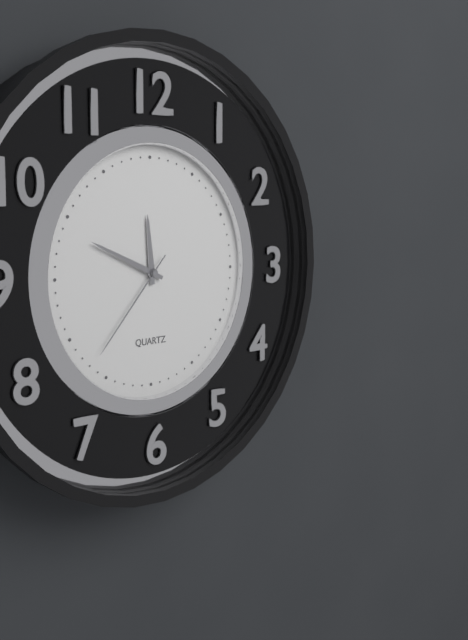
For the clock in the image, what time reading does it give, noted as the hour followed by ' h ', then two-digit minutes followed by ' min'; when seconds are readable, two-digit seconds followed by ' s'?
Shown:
11 h 49 min 37 s
